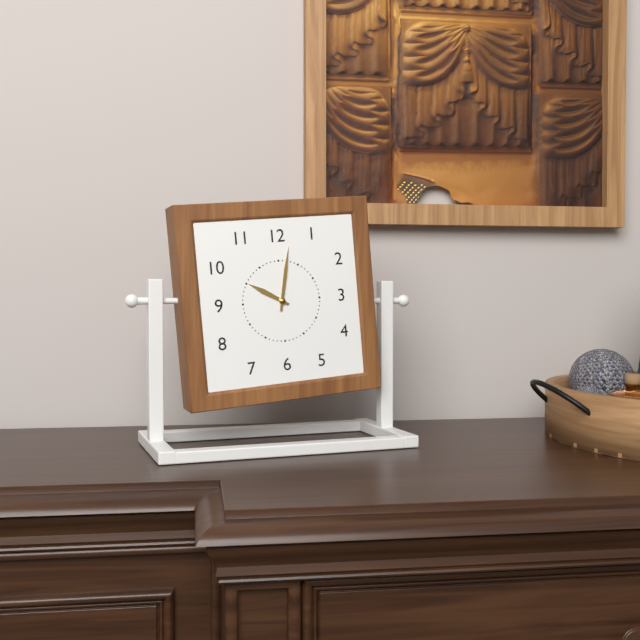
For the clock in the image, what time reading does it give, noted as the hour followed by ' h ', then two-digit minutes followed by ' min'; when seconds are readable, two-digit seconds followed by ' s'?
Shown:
10 h 02 min
